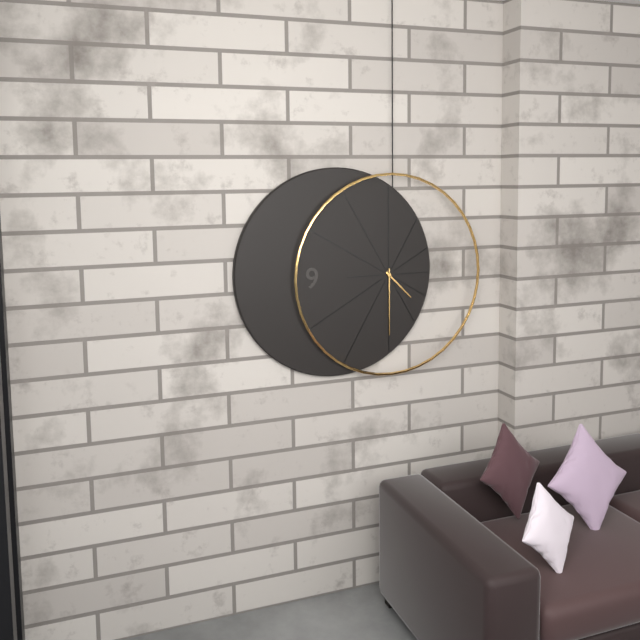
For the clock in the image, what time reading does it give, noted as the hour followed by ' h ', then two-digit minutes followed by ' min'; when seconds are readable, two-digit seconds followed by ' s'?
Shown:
4 h 30 min
